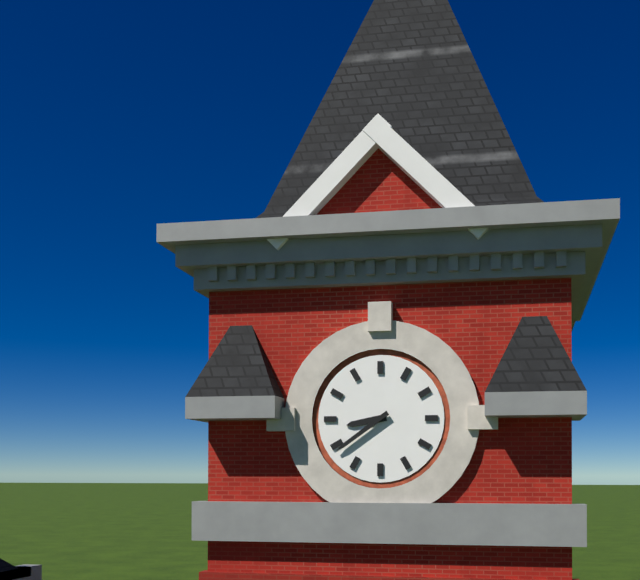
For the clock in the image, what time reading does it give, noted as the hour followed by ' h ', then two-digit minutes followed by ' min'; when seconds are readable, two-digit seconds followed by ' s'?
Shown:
8 h 39 min
